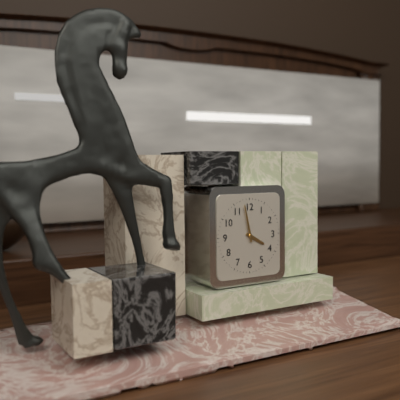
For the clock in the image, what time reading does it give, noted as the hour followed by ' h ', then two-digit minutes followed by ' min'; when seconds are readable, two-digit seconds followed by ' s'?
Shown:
3 h 58 min
